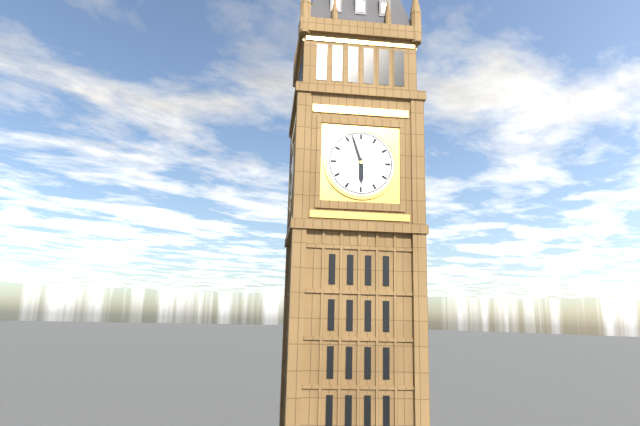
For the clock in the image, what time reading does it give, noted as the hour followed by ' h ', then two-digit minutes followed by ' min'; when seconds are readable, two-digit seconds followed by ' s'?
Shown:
5 h 57 min
